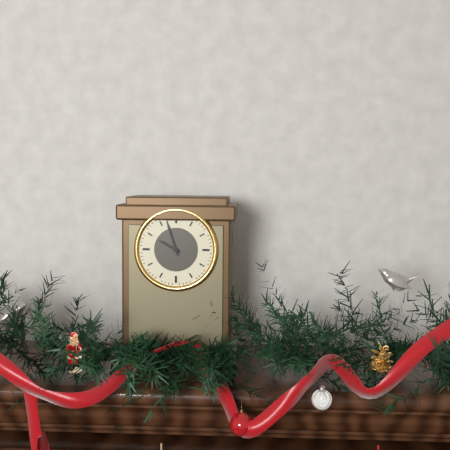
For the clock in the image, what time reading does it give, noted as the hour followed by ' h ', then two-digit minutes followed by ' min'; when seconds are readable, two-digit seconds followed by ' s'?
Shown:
9 h 57 min
